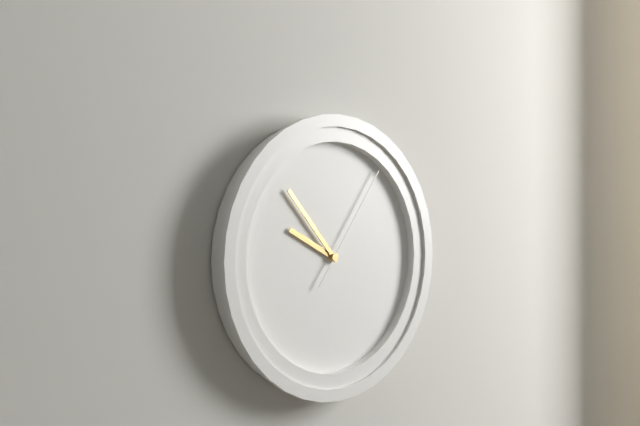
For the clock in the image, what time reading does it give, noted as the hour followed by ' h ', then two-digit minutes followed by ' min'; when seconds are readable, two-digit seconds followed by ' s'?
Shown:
9 h 53 min 06 s
